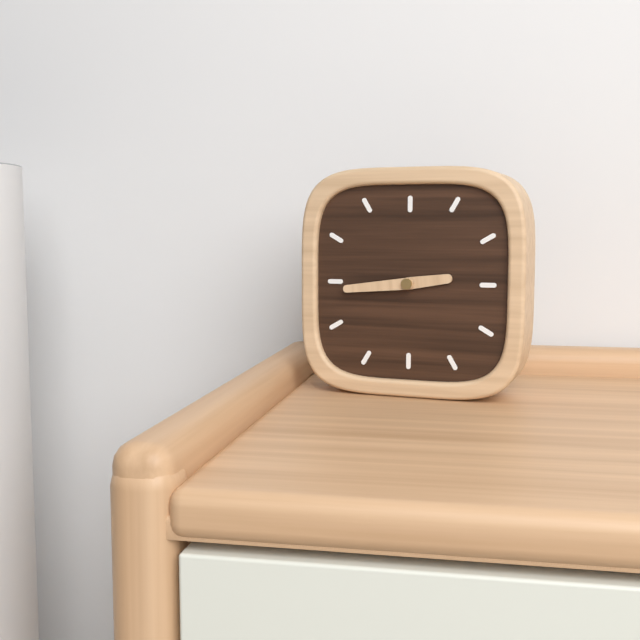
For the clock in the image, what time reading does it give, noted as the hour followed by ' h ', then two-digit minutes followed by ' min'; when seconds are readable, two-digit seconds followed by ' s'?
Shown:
2 h 44 min
